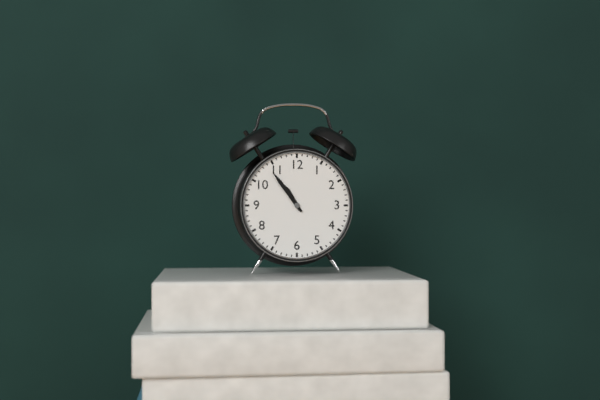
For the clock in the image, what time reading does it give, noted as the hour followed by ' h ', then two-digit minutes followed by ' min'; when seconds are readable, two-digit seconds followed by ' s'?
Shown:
10 h 54 min
